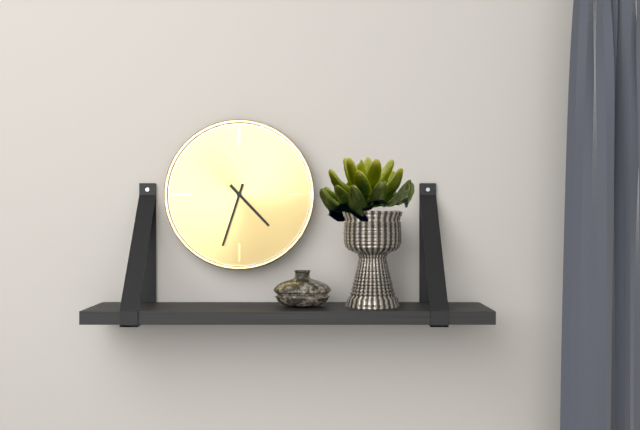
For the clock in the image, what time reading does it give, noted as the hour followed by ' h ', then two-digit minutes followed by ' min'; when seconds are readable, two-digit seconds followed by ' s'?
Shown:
4 h 33 min
